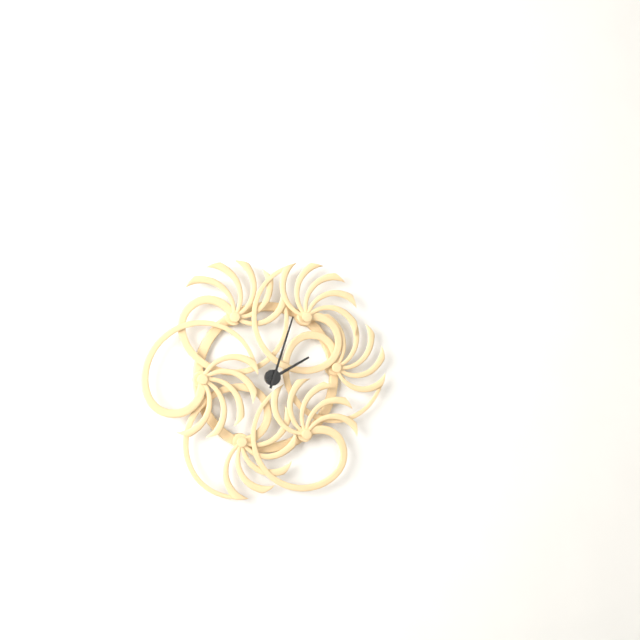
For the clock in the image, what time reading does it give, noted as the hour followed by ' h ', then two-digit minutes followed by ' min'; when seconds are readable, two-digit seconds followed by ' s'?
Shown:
2 h 03 min
